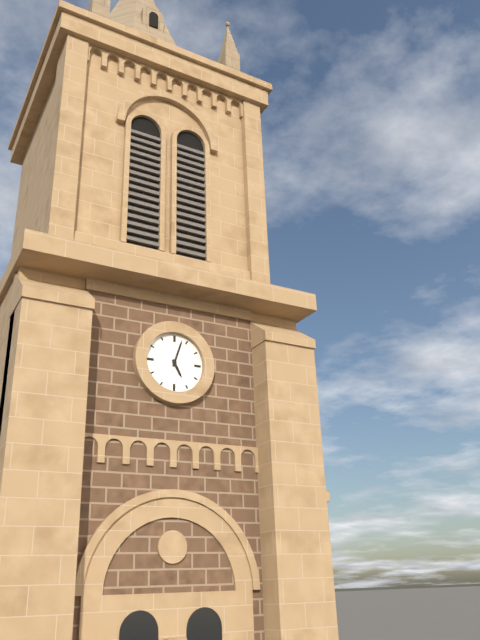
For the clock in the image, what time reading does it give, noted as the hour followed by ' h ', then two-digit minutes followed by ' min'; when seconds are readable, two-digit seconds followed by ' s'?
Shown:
5 h 03 min
